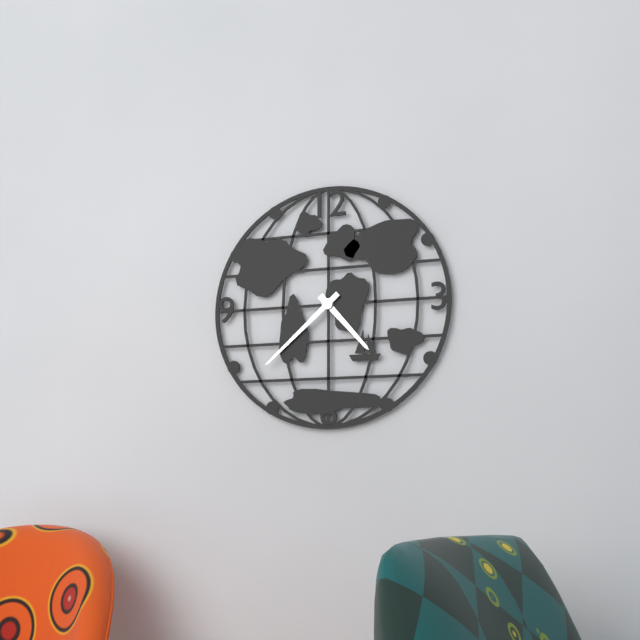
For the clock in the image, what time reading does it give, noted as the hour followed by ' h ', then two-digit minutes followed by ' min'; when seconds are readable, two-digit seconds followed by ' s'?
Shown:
4 h 38 min
